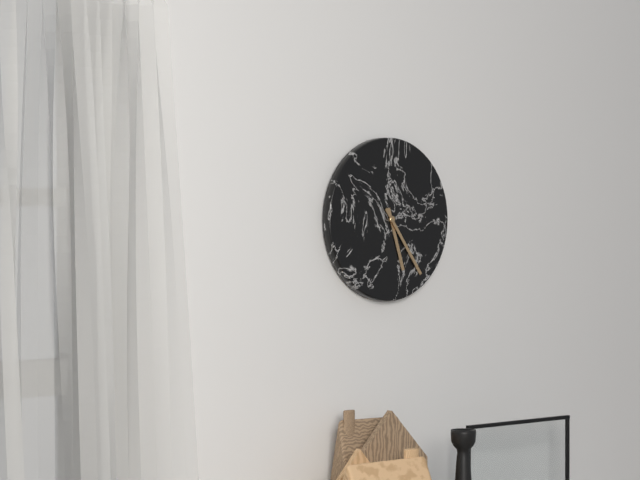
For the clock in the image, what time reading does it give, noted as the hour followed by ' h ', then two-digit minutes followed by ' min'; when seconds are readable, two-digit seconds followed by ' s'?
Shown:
5 h 24 min
